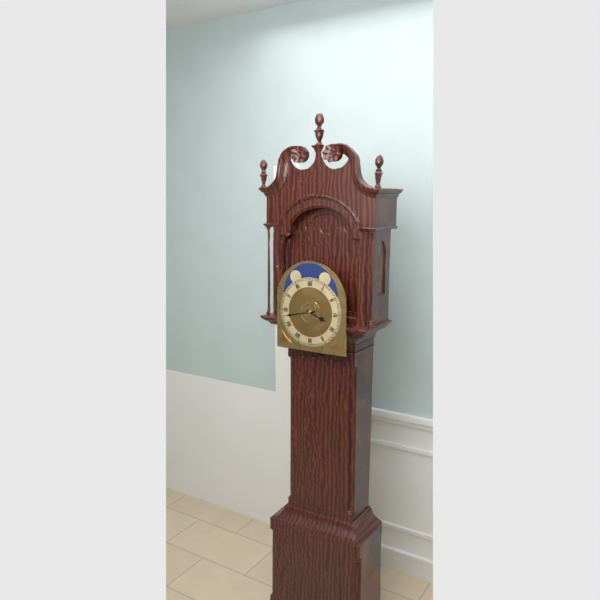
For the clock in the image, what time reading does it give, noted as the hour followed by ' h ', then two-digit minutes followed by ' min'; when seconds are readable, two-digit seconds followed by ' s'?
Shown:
3 h 43 min
